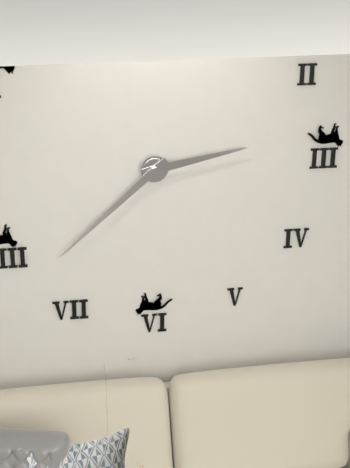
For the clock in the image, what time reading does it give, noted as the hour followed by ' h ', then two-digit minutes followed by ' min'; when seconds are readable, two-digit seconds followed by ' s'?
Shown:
2 h 38 min
